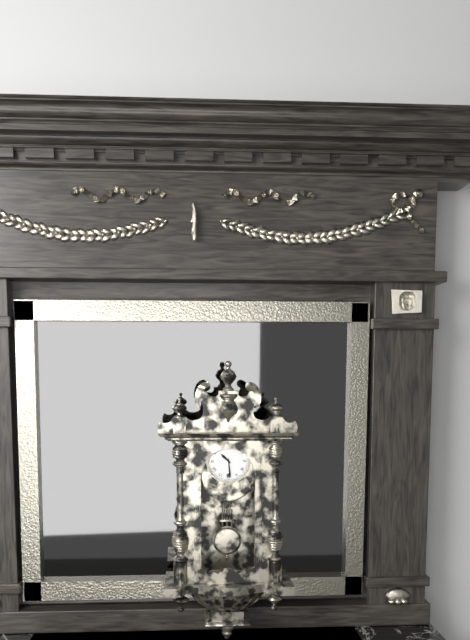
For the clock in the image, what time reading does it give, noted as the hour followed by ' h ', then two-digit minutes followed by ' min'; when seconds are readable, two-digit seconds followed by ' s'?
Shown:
10 h 29 min
